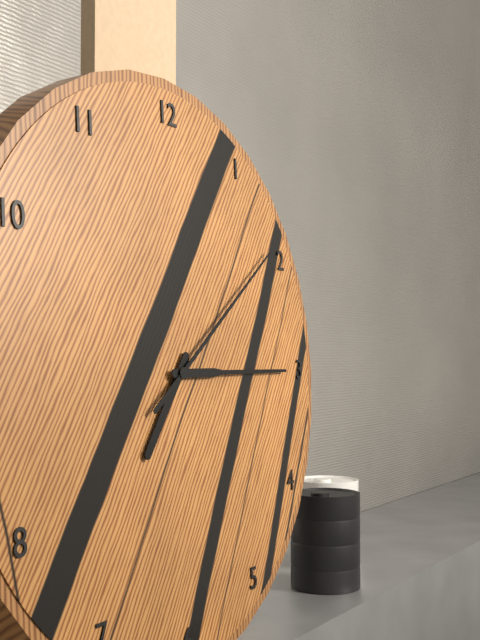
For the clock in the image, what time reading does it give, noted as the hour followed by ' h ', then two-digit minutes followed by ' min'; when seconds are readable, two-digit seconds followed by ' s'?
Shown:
7 h 15 min 09 s
